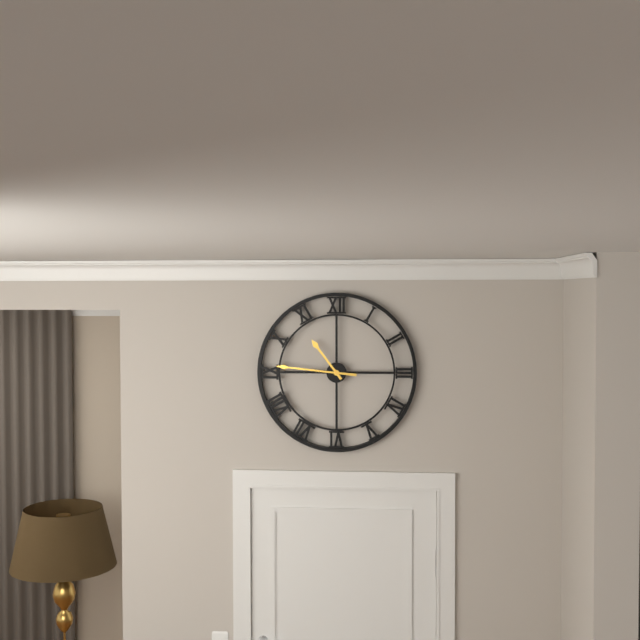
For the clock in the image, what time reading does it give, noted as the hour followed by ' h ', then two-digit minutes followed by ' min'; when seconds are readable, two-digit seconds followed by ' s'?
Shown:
10 h 46 min
